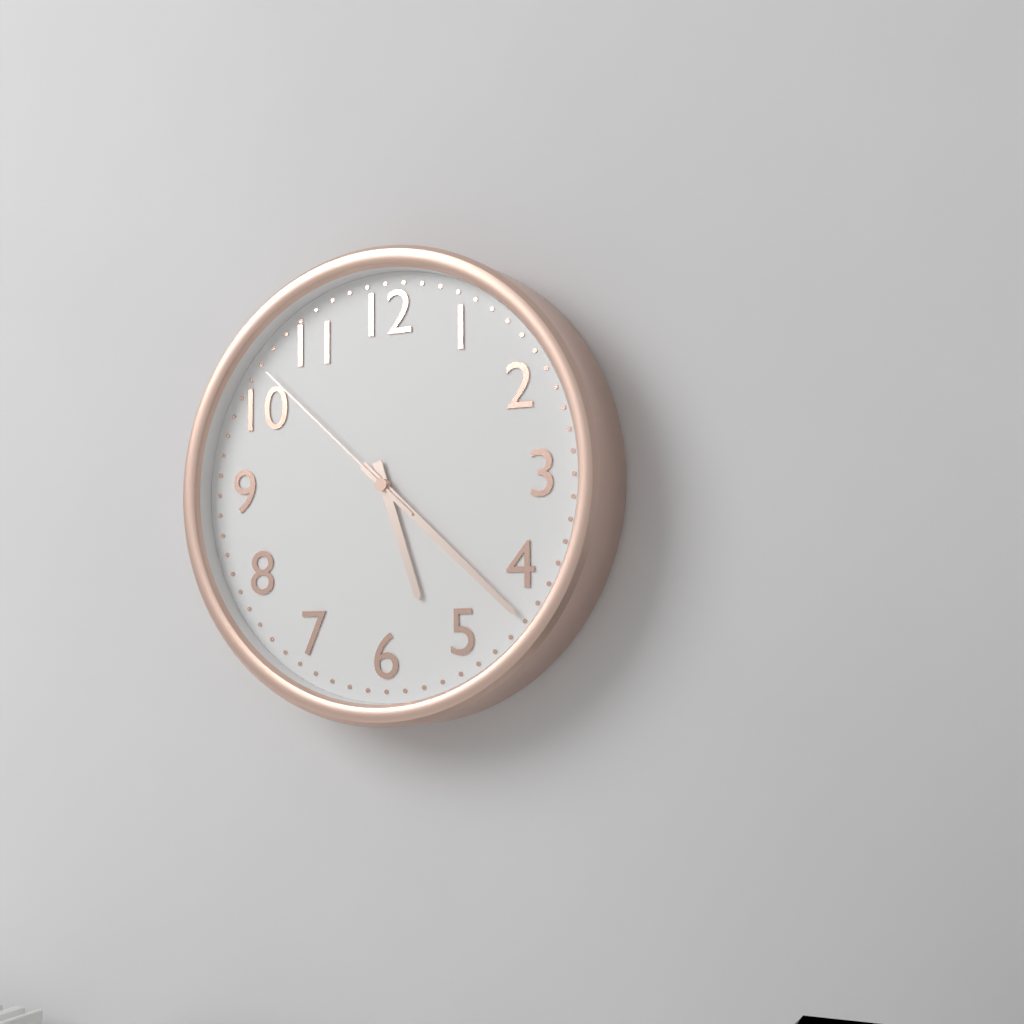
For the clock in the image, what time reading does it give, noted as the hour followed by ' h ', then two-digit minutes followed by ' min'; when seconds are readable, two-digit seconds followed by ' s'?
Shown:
5 h 22 min 52 s
